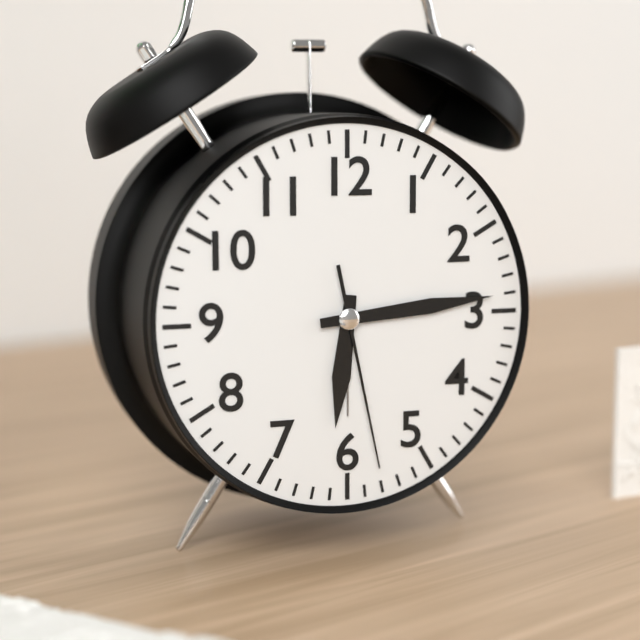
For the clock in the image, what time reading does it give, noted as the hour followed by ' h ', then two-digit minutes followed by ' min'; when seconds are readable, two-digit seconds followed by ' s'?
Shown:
6 h 14 min 28 s
